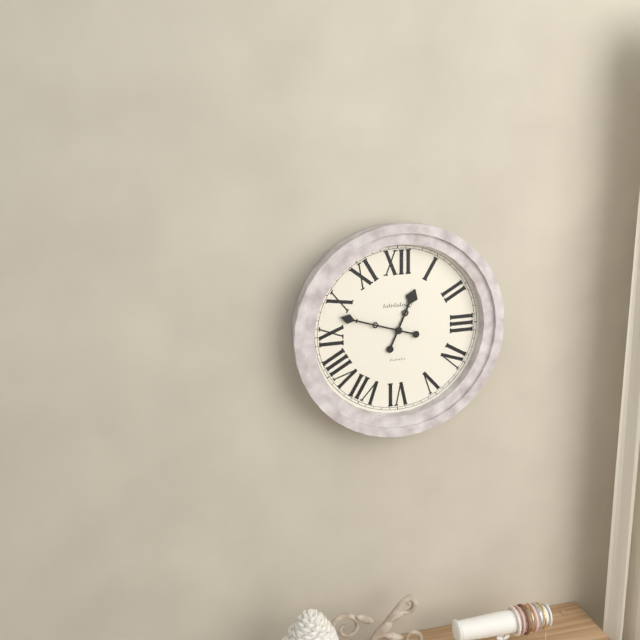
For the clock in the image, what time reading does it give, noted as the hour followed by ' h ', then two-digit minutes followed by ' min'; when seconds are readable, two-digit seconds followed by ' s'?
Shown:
12 h 48 min
